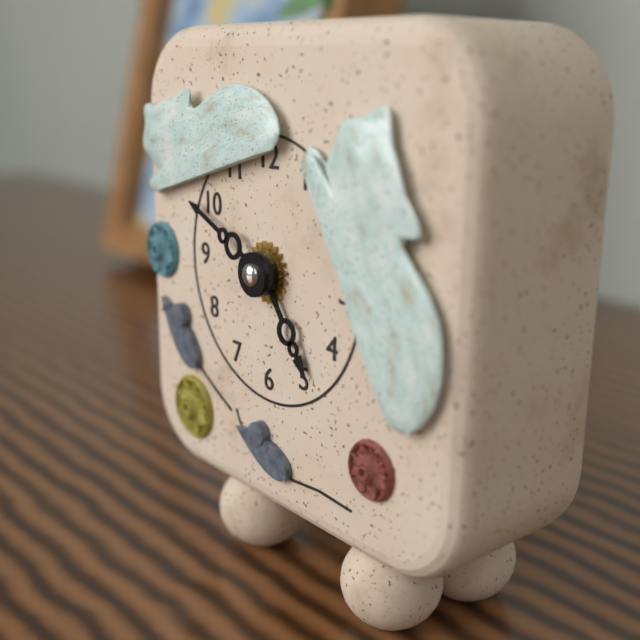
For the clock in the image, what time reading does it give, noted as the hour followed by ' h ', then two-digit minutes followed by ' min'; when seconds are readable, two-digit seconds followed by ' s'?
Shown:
4 h 49 min
